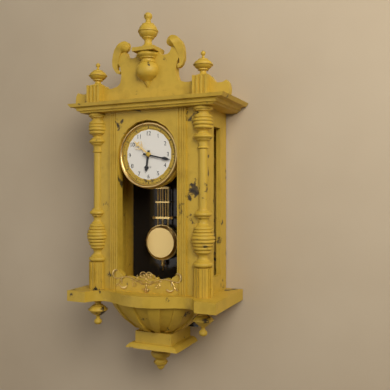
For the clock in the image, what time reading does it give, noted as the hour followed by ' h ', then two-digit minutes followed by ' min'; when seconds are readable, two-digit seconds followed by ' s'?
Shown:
6 h 17 min
